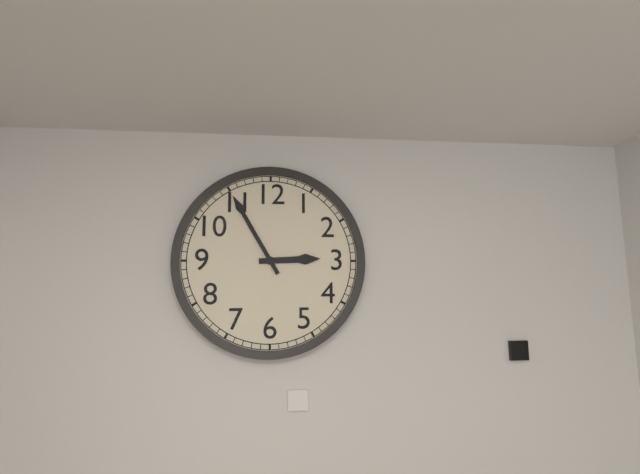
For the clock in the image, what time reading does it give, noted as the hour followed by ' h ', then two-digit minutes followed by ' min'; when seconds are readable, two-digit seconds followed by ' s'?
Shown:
2 h 55 min
